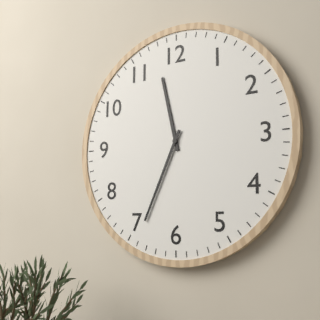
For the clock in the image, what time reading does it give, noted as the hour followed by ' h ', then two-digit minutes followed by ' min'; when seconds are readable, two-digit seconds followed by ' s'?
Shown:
11 h 34 min
